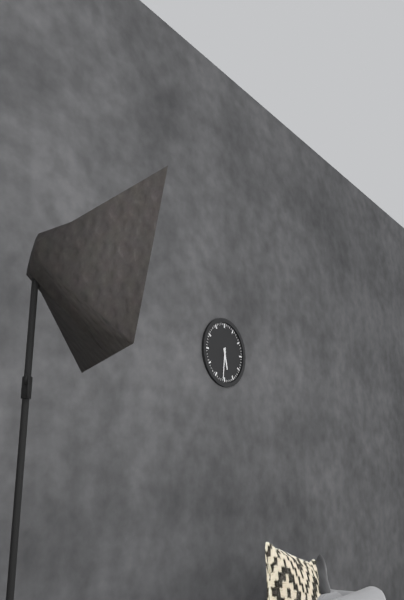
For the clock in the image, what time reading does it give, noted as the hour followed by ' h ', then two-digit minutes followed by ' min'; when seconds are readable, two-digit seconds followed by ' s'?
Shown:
5 h 31 min
